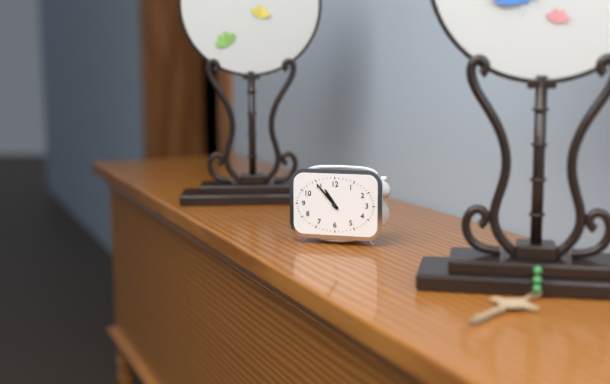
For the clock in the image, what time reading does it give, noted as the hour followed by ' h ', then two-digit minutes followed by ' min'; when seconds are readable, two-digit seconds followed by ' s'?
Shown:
10 h 53 min
